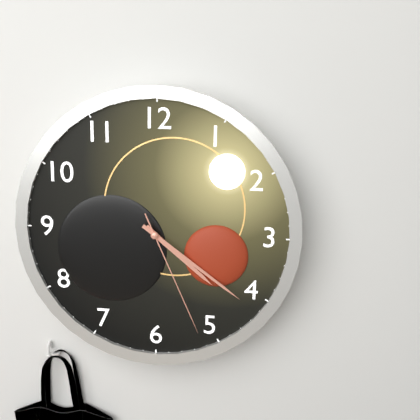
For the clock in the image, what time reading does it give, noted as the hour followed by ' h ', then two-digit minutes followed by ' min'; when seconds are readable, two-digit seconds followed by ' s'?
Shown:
4 h 21 min 26 s
